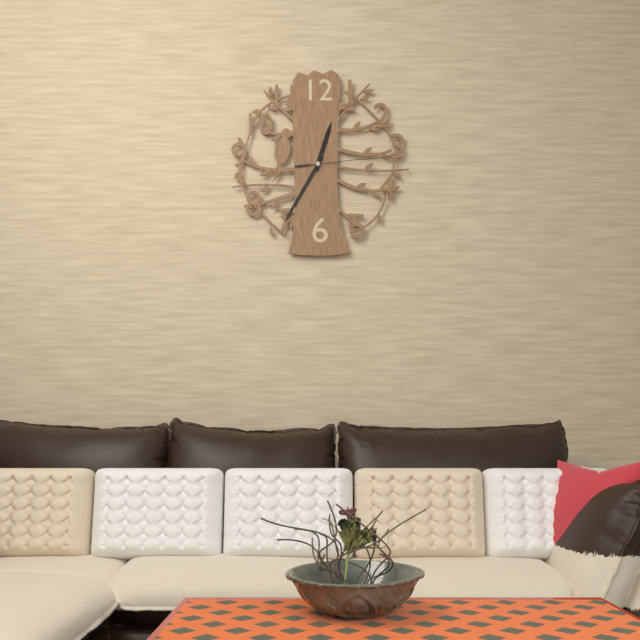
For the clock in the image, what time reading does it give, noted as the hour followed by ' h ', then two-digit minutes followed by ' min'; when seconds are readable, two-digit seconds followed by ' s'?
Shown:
12 h 35 min 14 s
